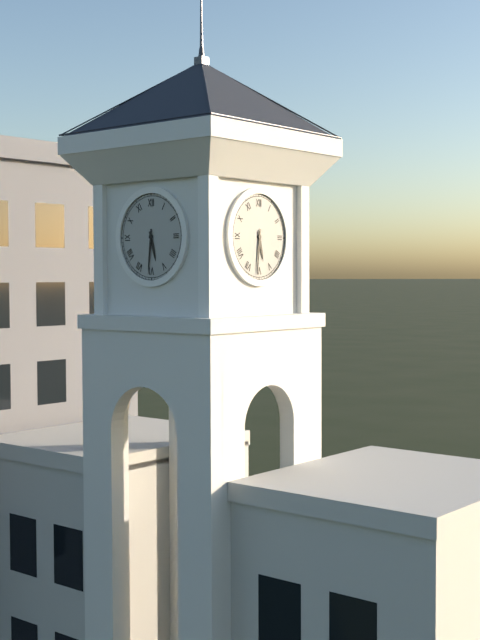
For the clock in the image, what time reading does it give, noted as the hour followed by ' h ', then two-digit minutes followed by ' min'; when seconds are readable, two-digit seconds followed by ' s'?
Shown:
5 h 31 min
